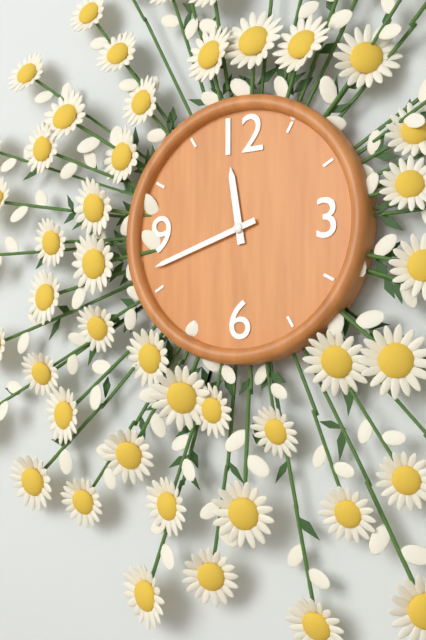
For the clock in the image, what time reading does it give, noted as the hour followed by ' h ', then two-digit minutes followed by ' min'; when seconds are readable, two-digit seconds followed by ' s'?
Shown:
11 h 42 min
